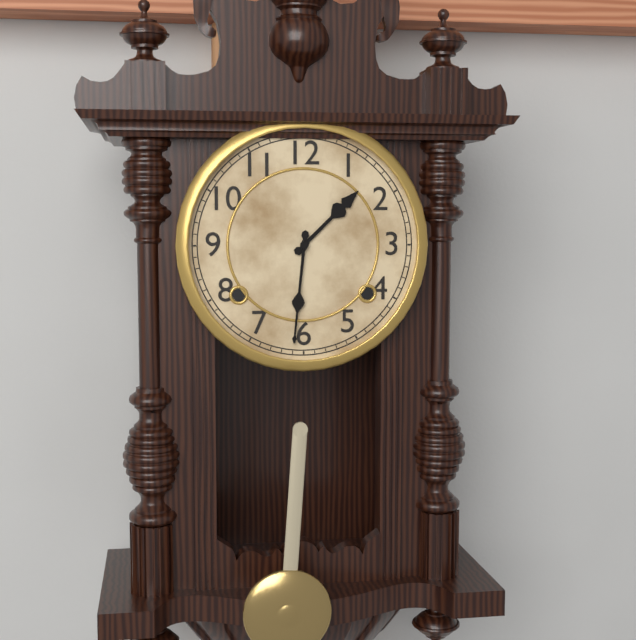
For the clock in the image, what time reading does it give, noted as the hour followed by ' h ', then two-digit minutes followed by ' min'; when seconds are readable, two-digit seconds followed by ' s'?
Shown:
1 h 31 min
